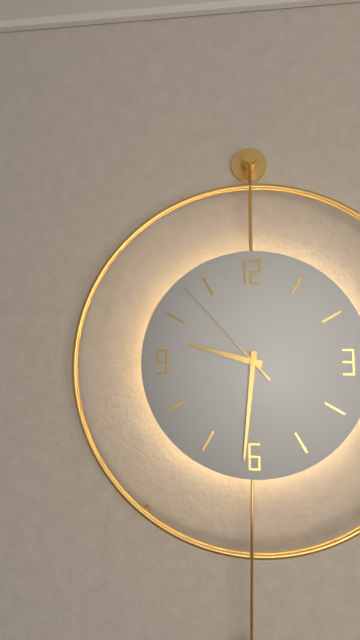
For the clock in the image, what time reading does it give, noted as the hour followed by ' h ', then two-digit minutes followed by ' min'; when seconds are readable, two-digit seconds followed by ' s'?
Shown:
9 h 31 min 53 s
